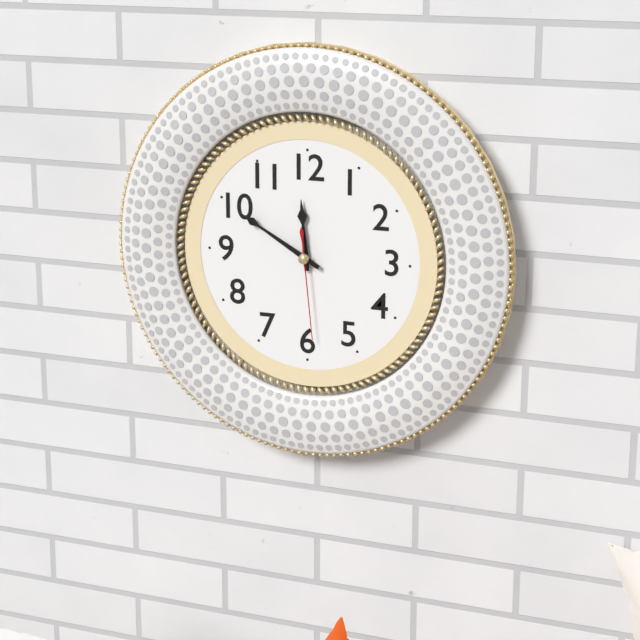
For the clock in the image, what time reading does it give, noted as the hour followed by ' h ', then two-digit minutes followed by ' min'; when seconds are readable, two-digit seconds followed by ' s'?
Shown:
11 h 50 min 29 s
